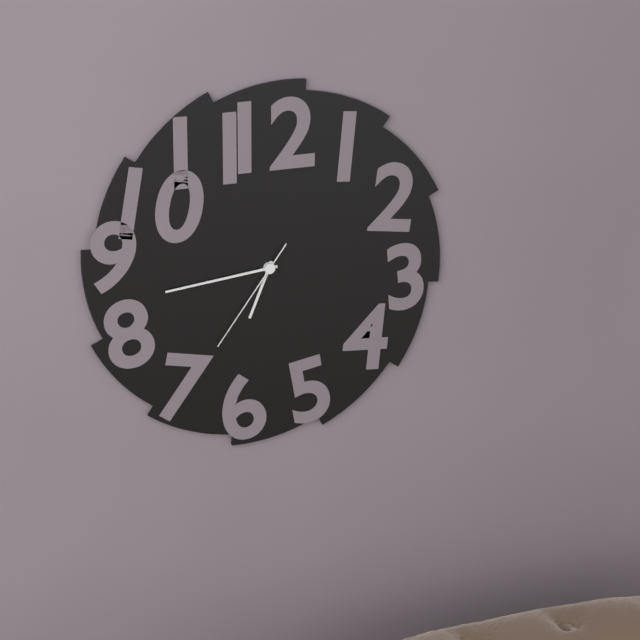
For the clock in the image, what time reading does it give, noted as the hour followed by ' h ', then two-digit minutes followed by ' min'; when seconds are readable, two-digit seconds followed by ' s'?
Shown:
6 h 44 min 36 s
